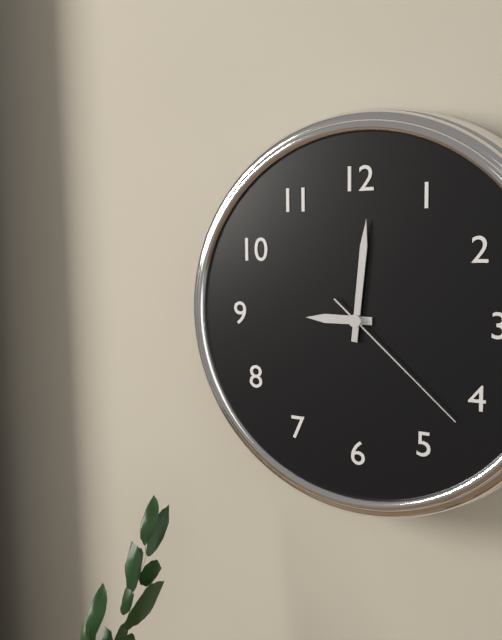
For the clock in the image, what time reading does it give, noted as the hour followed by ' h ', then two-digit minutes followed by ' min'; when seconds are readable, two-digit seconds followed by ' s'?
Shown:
9 h 01 min 22 s
